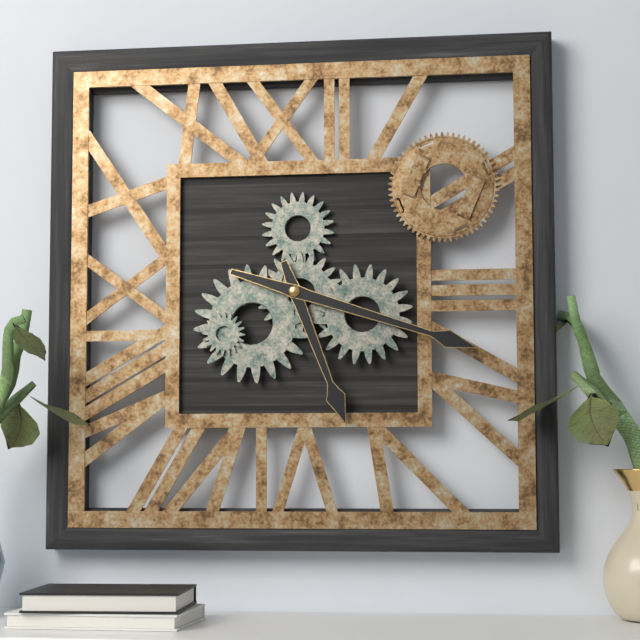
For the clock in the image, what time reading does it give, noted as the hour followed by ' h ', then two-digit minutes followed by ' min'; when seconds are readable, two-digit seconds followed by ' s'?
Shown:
5 h 18 min
